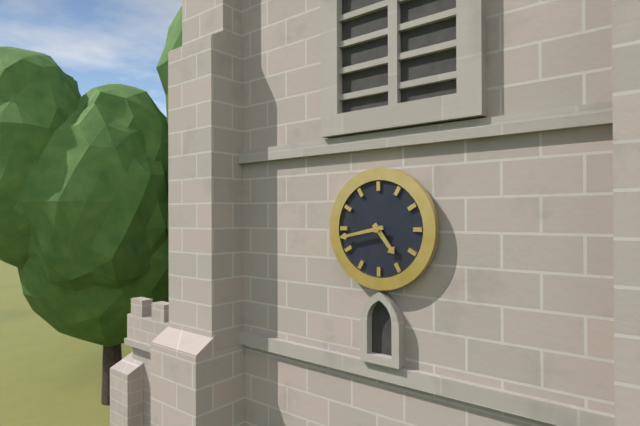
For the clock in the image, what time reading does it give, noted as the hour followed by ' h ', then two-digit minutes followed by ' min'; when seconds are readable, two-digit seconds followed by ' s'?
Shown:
4 h 43 min
